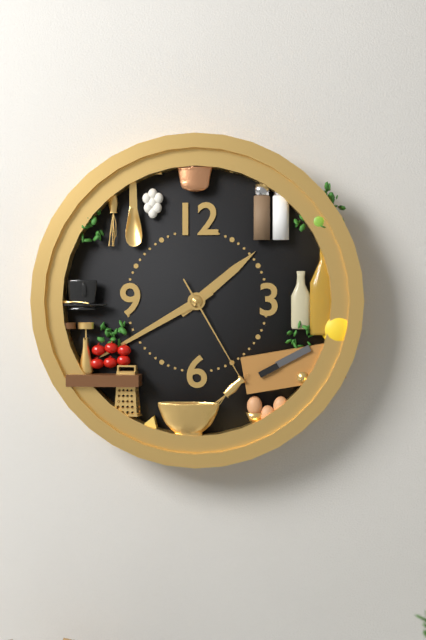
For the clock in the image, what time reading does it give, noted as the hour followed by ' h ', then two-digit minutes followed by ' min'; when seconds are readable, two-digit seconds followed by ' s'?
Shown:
1 h 40 min 25 s
